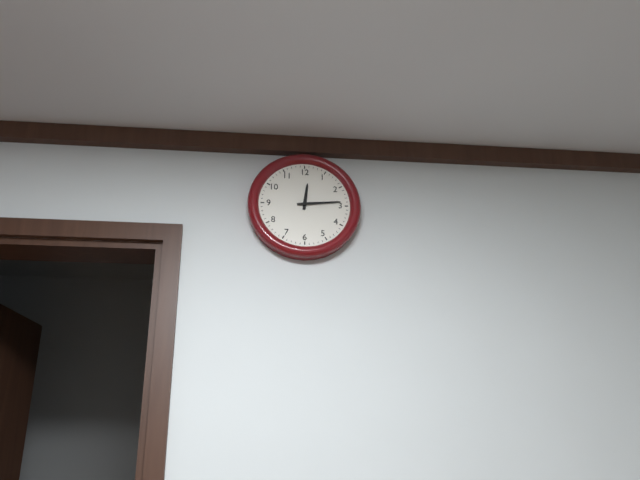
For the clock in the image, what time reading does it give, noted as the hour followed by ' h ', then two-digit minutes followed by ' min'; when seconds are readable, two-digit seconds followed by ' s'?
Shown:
12 h 14 min
